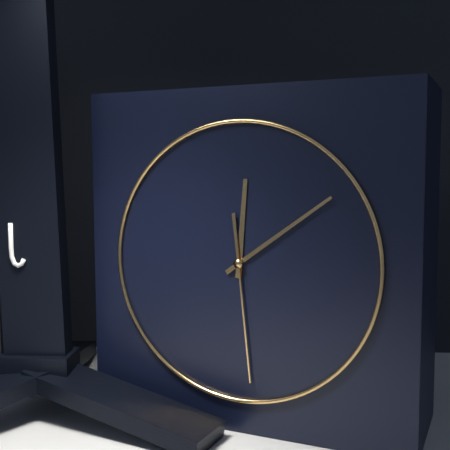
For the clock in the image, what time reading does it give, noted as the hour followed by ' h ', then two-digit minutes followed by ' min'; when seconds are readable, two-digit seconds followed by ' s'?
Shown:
12 h 09 min 29 s
